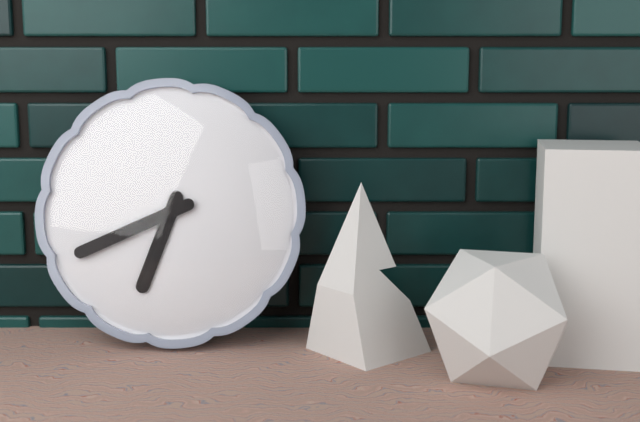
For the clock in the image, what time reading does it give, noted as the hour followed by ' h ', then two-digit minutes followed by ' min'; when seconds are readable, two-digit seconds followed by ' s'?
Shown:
6 h 41 min
